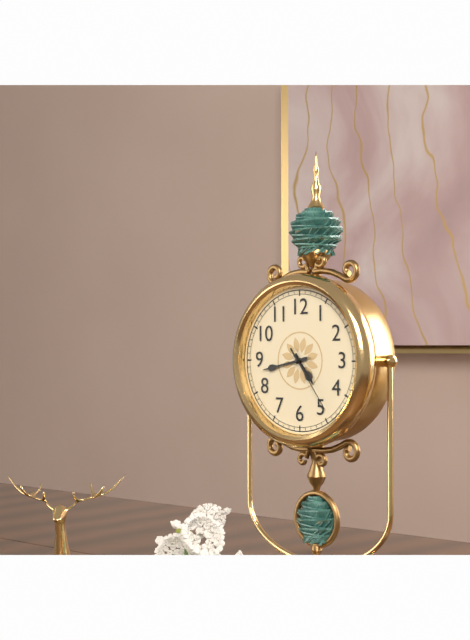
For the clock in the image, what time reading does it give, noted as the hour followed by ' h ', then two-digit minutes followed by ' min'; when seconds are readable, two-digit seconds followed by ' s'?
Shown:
4 h 43 min 24 s
